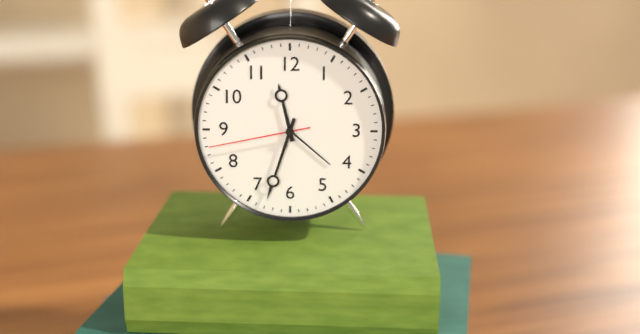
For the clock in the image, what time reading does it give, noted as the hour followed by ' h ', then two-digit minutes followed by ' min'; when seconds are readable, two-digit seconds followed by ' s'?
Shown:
11 h 33 min 43 s
